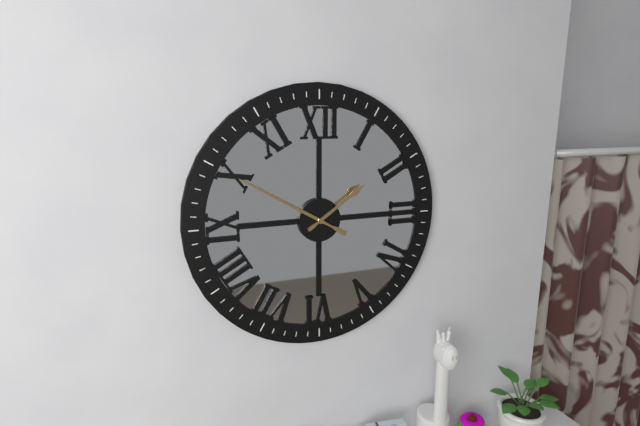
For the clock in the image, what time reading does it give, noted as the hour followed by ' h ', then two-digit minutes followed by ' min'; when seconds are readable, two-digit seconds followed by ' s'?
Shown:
1 h 50 min
